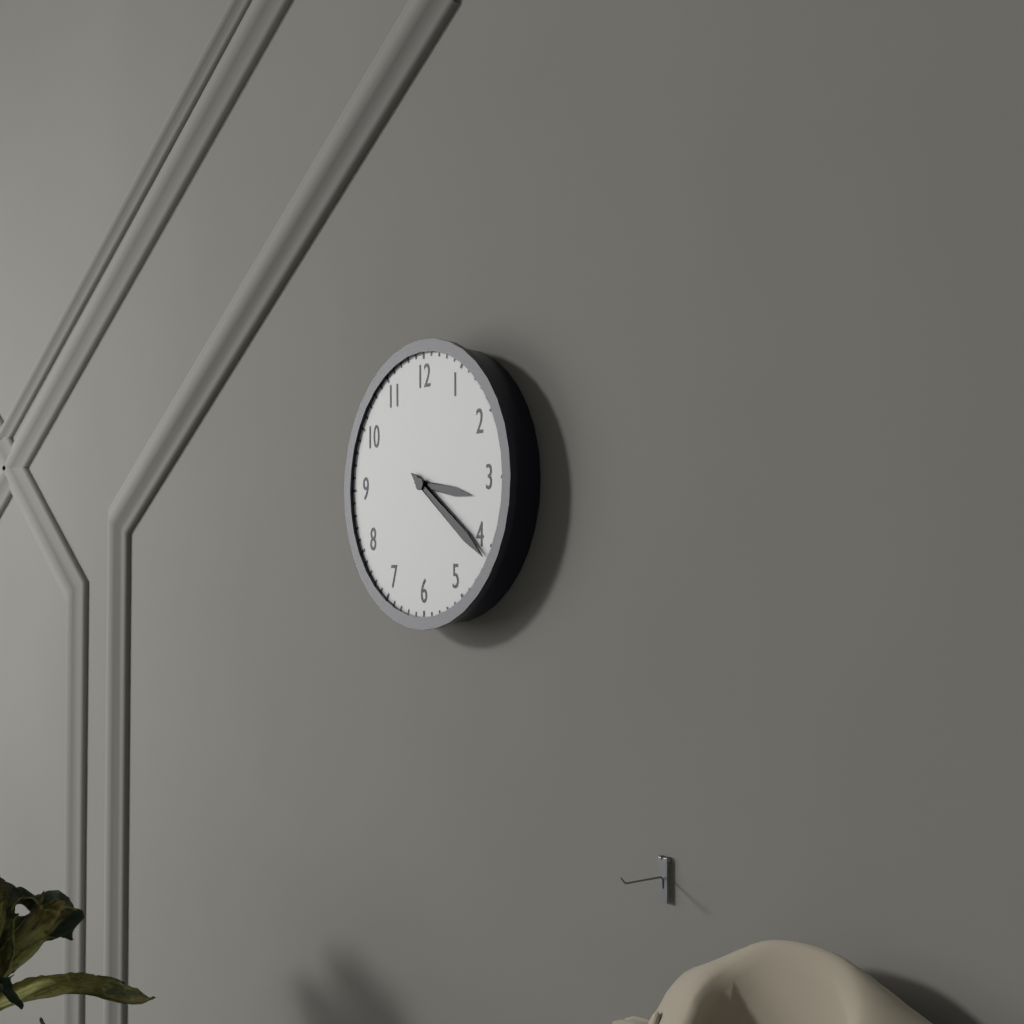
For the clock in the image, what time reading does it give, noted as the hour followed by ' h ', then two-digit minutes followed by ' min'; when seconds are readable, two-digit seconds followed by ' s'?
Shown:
3 h 21 min
